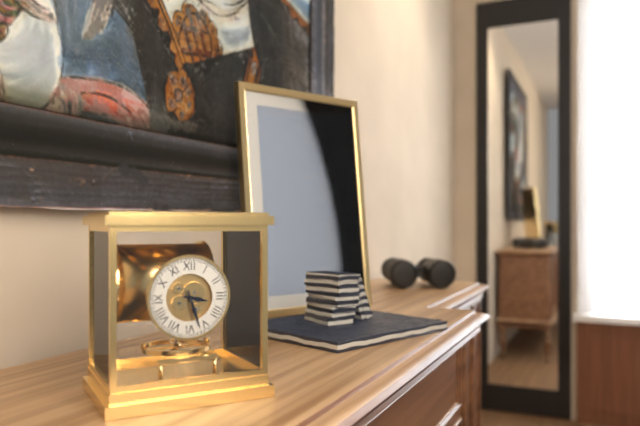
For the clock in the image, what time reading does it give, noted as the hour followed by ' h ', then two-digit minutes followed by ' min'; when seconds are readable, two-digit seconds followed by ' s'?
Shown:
3 h 27 min
